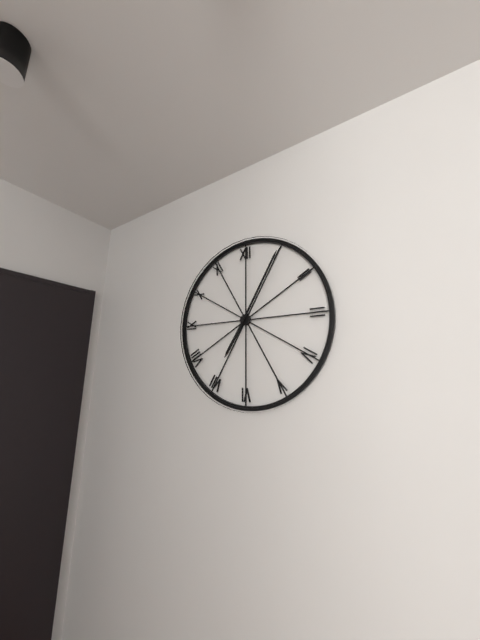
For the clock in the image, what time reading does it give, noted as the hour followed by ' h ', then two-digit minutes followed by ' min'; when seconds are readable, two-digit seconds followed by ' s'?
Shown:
7 h 05 min
